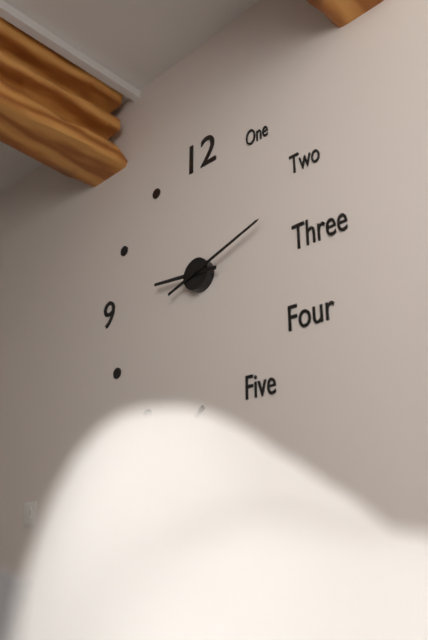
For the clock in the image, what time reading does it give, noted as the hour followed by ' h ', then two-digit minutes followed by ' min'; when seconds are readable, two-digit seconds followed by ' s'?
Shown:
9 h 12 min
